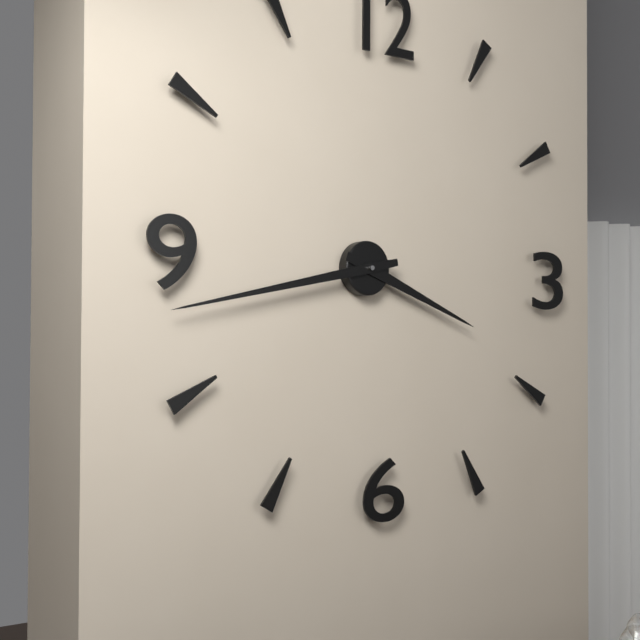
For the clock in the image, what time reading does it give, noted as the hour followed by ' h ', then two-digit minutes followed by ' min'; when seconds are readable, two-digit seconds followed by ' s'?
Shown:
3 h 43 min
